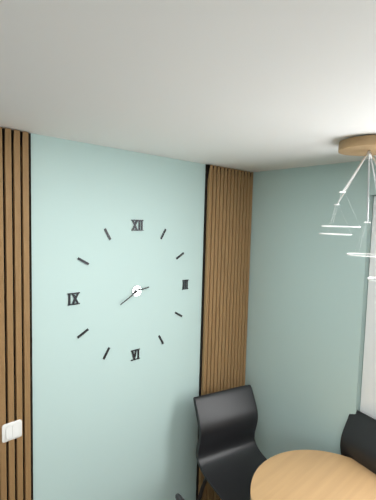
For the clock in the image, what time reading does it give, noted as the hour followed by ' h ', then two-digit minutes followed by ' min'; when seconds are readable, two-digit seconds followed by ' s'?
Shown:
2 h 40 min
